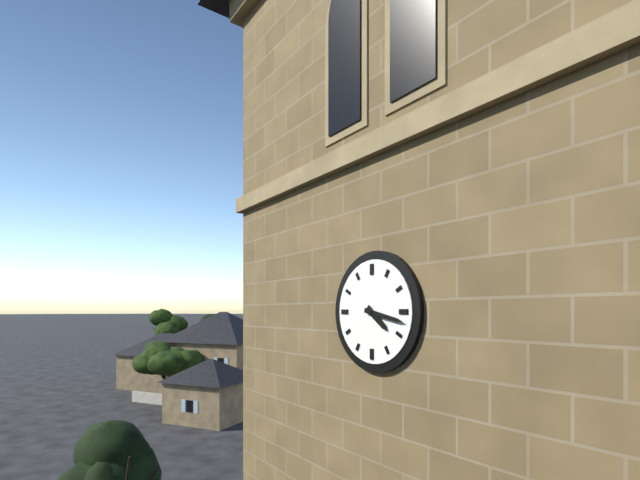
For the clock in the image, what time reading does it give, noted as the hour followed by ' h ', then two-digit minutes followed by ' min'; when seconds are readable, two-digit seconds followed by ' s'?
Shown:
4 h 17 min
